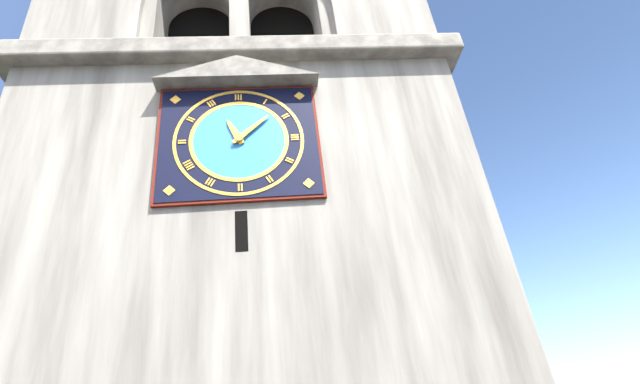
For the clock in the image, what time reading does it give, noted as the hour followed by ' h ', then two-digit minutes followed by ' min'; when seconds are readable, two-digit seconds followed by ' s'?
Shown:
11 h 08 min
